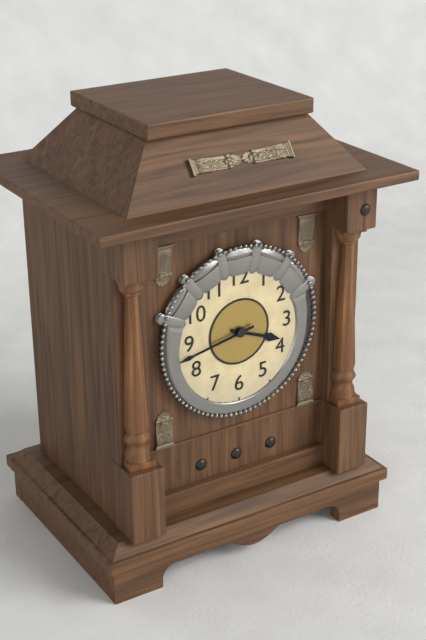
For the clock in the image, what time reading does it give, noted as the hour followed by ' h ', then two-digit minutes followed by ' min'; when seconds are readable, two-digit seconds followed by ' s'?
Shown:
3 h 43 min
